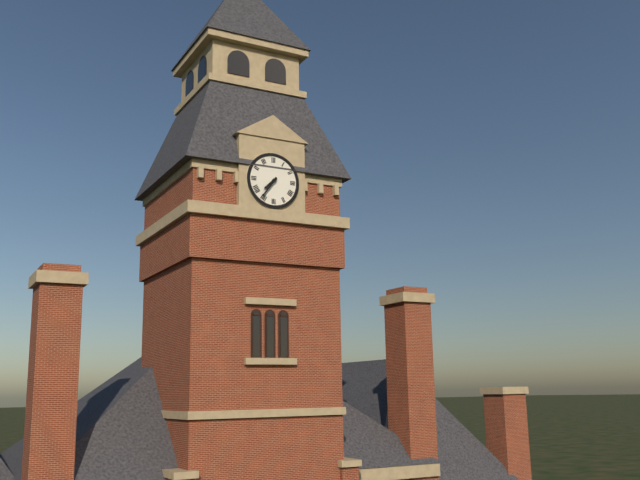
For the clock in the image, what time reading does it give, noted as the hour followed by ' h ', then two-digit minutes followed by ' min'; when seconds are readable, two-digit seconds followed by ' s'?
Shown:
7 h 36 min
